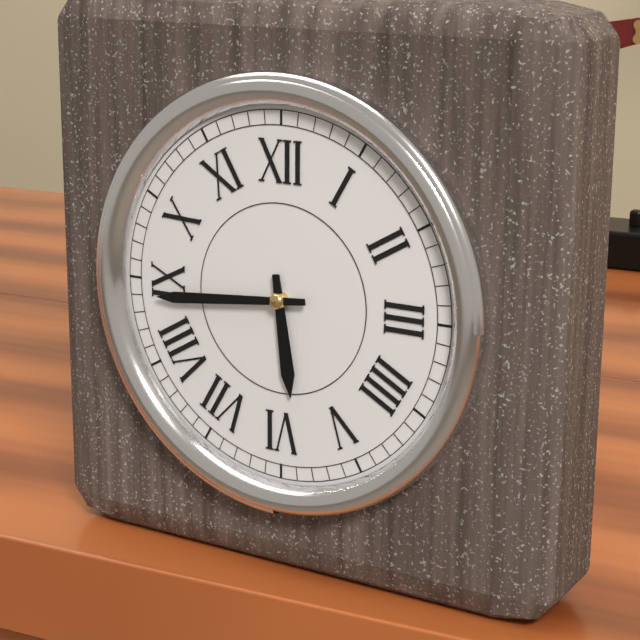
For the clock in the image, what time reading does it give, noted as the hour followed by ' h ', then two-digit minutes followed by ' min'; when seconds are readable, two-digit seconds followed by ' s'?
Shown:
5 h 44 min
